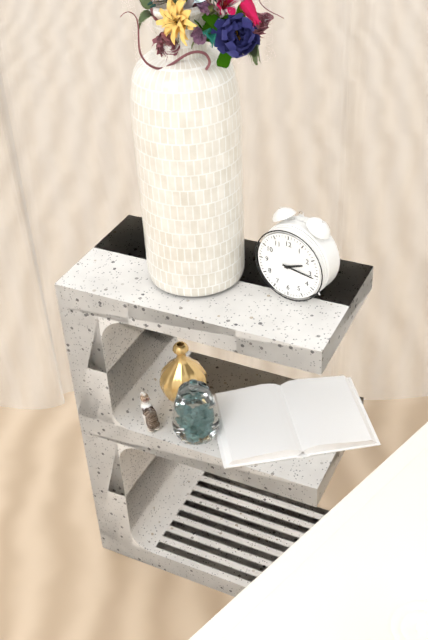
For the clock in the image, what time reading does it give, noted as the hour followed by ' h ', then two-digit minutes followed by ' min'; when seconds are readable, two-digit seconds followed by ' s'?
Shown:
2 h 16 min
